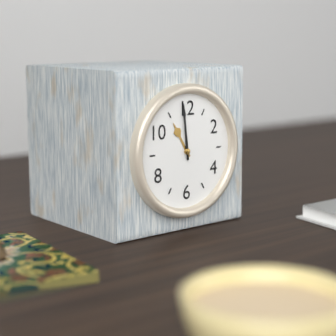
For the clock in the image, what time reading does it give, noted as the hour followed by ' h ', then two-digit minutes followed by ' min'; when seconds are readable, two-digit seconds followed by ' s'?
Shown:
10 h 59 min
